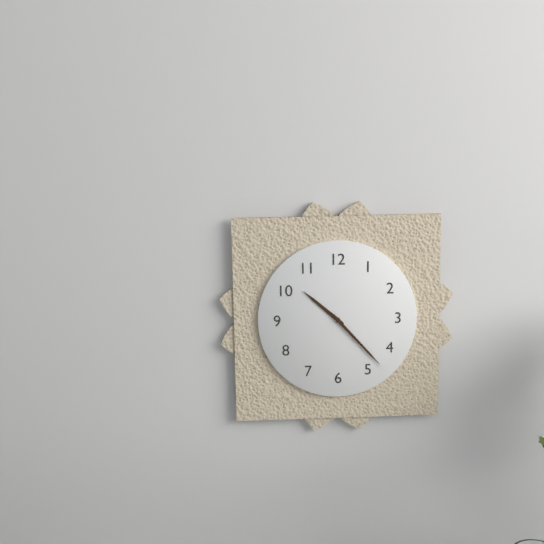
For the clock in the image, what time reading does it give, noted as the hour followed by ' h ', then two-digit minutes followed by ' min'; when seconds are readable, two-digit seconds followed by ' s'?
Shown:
10 h 23 min
